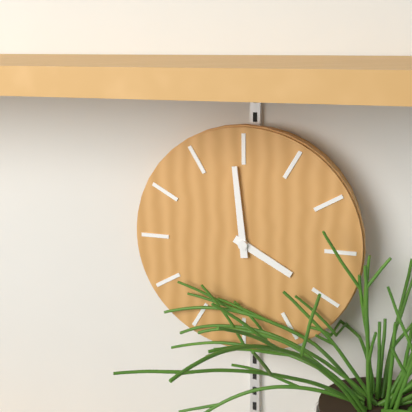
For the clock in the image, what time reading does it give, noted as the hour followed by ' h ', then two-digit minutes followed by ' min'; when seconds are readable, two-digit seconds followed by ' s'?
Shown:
3 h 59 min
